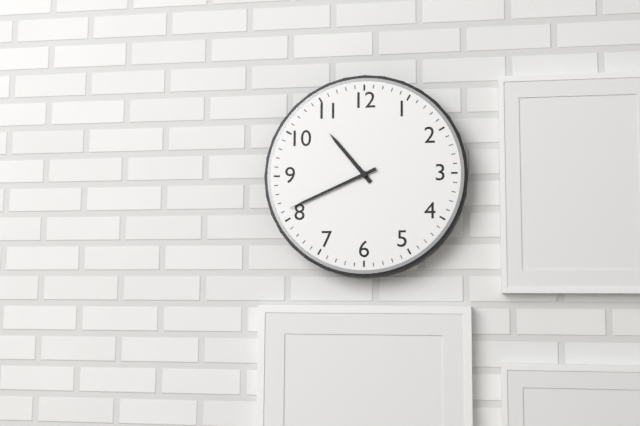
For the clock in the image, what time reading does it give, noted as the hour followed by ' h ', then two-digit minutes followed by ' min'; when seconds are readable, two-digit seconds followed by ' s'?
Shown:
10 h 41 min
